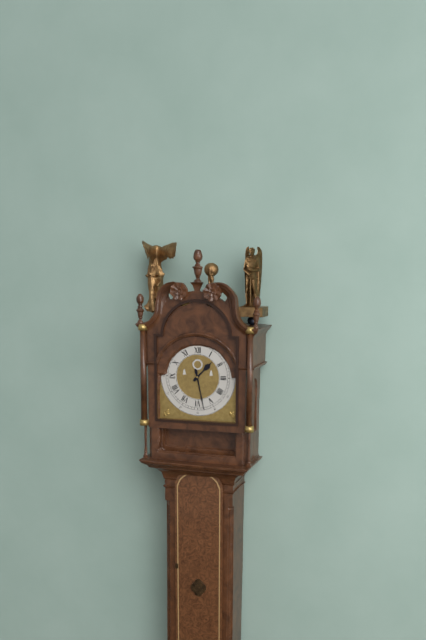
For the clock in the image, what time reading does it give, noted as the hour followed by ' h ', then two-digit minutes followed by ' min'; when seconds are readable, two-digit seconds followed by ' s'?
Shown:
1 h 28 min
